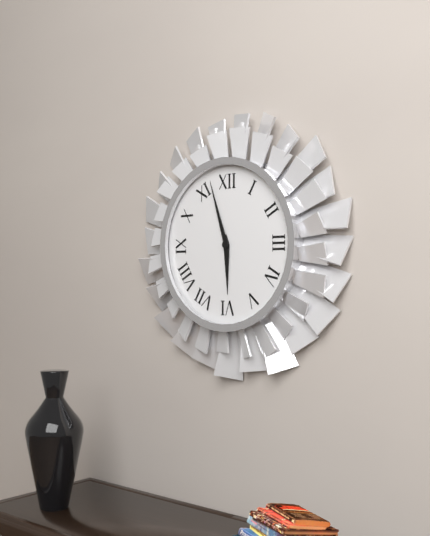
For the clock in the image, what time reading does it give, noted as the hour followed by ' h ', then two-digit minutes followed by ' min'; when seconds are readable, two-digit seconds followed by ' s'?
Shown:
5 h 57 min
